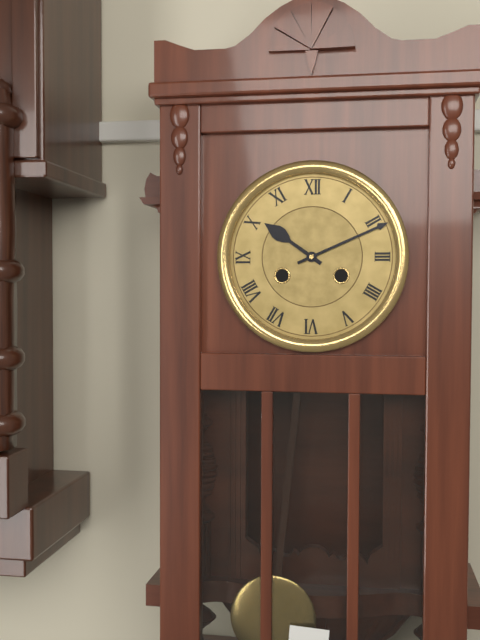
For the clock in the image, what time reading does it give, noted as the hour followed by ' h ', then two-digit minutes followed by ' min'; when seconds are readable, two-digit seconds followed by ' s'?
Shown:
10 h 11 min
